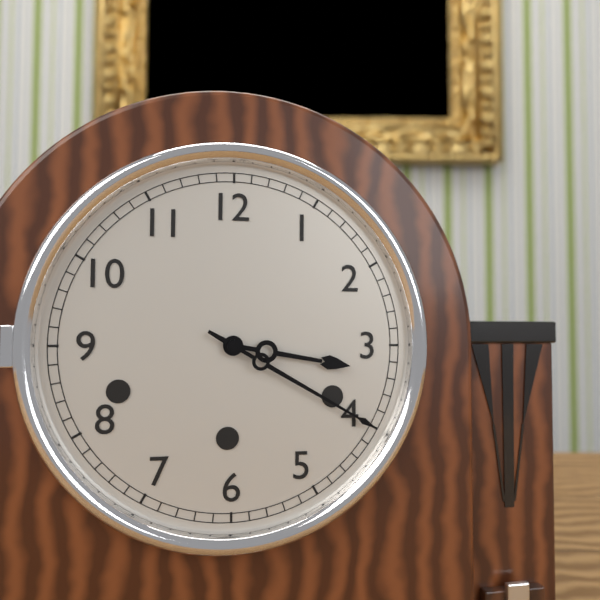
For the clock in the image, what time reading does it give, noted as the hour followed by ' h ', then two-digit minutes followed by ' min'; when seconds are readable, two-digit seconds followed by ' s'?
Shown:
3 h 20 min
